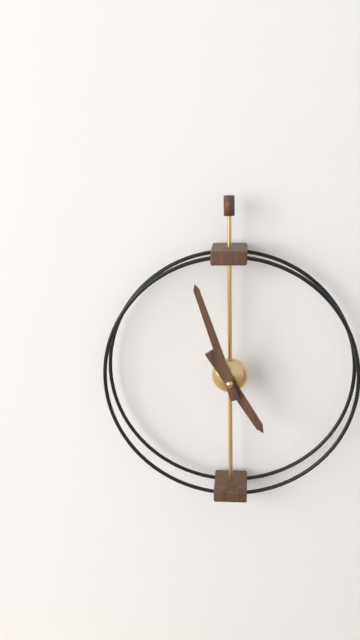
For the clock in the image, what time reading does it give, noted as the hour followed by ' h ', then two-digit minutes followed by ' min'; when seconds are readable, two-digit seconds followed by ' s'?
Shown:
4 h 57 min
